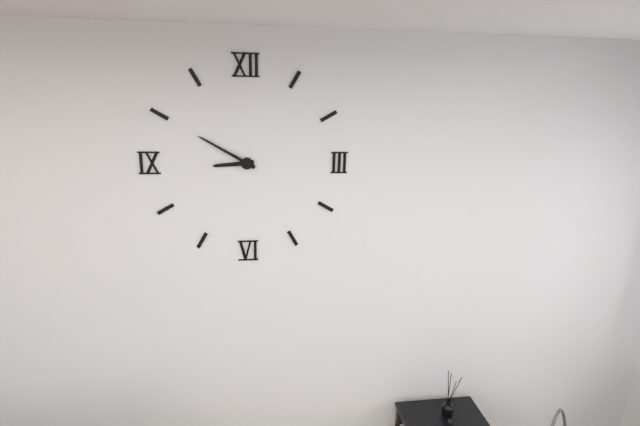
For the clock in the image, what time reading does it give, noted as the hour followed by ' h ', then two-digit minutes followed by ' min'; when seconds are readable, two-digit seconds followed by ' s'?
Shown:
8 h 50 min
